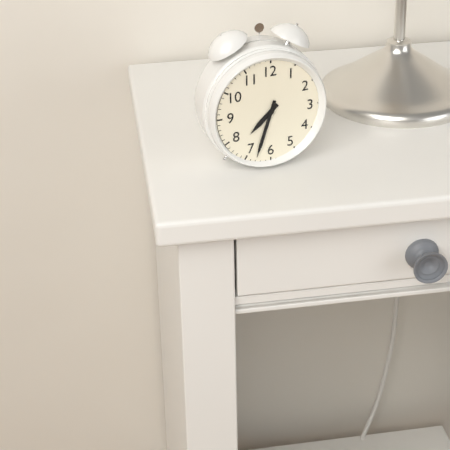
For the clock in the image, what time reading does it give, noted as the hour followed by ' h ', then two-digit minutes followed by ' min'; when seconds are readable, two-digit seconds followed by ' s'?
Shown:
7 h 33 min
